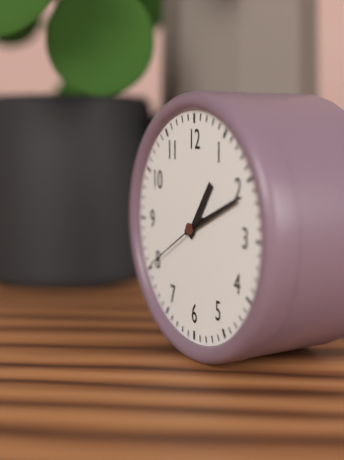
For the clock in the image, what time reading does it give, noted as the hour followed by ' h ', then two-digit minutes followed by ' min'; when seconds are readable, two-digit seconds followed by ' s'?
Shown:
1 h 11 min 40 s
